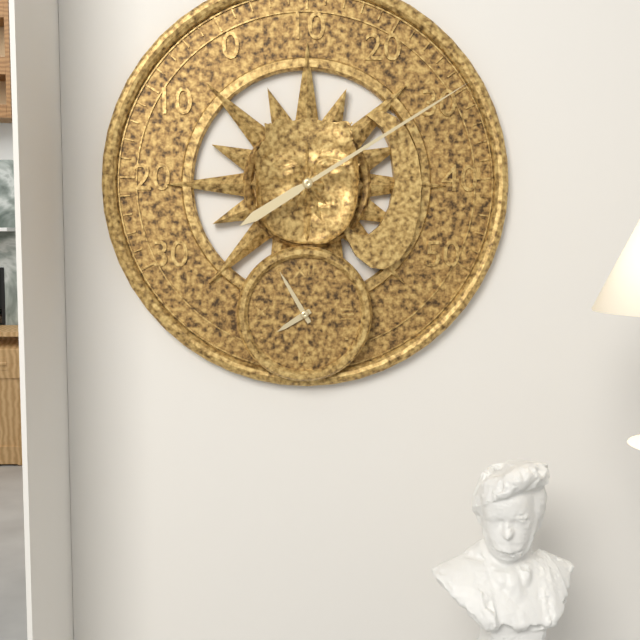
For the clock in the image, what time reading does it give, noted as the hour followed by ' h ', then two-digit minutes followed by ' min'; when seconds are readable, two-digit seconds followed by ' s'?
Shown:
7 h 55 min
